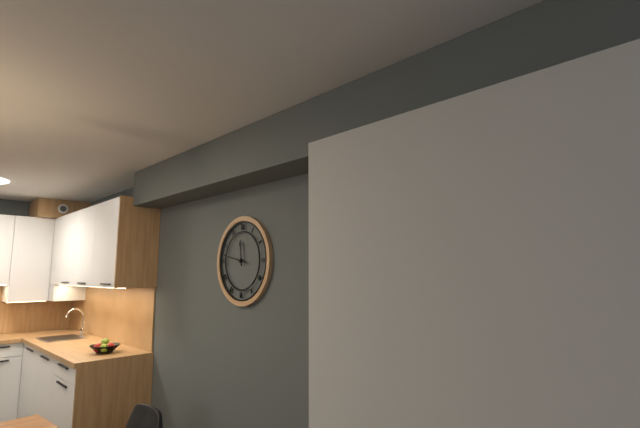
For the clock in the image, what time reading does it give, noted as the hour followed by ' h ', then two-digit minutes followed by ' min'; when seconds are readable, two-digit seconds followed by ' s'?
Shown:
11 h 47 min
